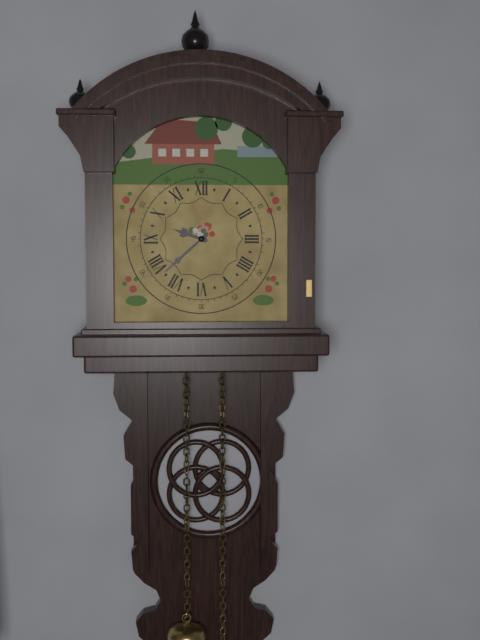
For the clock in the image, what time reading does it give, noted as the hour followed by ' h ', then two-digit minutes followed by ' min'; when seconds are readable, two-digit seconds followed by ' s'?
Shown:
9 h 38 min
